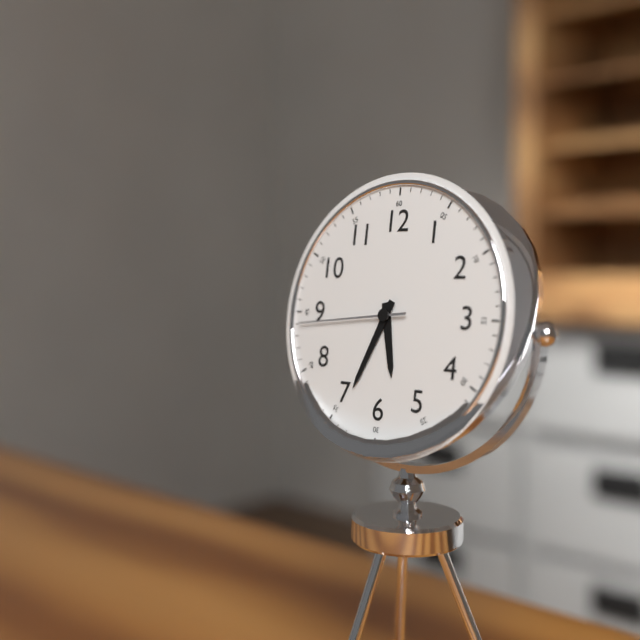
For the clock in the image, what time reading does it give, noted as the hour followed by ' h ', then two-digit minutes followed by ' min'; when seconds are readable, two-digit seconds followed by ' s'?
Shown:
5 h 34 min 44 s
